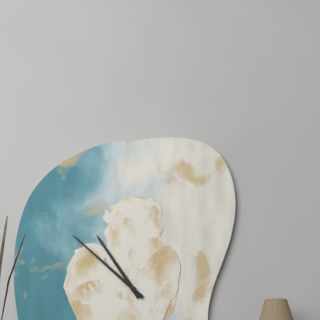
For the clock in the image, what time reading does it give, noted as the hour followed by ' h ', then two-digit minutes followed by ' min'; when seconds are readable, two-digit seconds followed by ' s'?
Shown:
10 h 52 min
